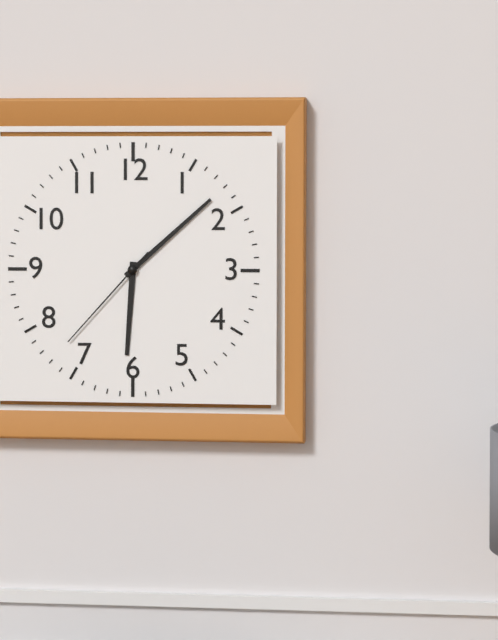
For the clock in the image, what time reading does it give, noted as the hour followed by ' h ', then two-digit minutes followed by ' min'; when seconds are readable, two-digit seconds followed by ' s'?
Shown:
6 h 08 min 37 s
